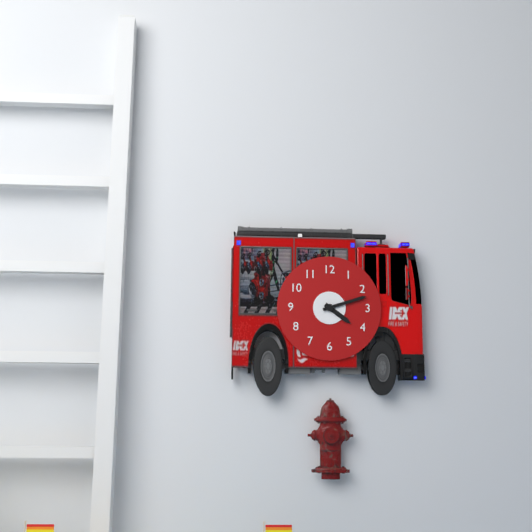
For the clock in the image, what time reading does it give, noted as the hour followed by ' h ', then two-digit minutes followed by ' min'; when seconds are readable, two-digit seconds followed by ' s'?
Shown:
4 h 12 min
